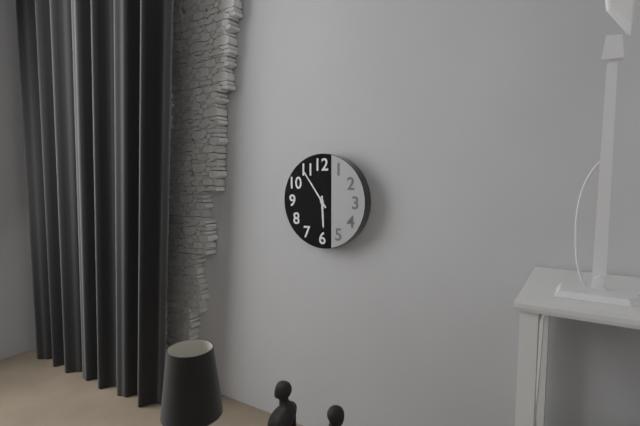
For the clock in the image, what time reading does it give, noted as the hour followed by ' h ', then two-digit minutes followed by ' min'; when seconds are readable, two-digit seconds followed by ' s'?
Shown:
5 h 54 min
